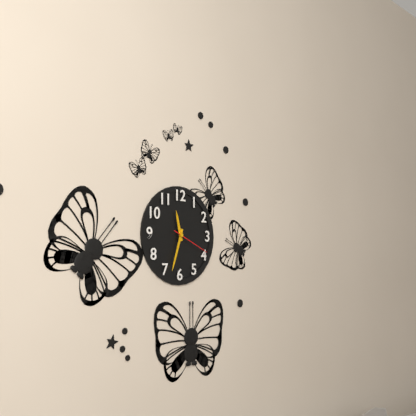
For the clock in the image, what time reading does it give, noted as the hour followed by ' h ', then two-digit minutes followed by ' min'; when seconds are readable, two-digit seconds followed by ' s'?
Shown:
11 h 33 min
